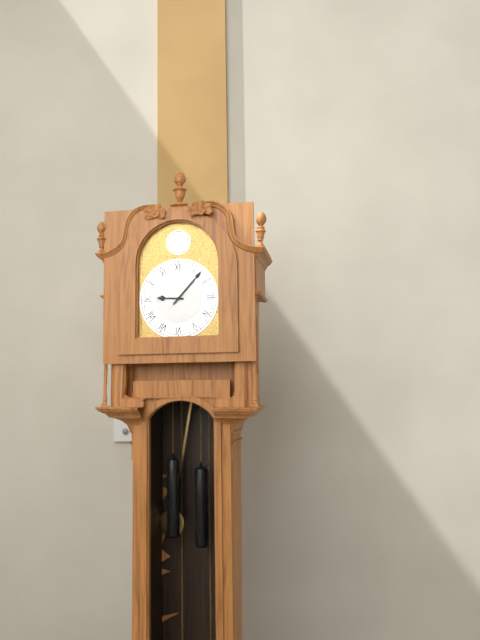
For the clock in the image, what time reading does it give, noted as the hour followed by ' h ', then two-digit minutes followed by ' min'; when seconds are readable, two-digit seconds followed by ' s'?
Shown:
9 h 07 min
